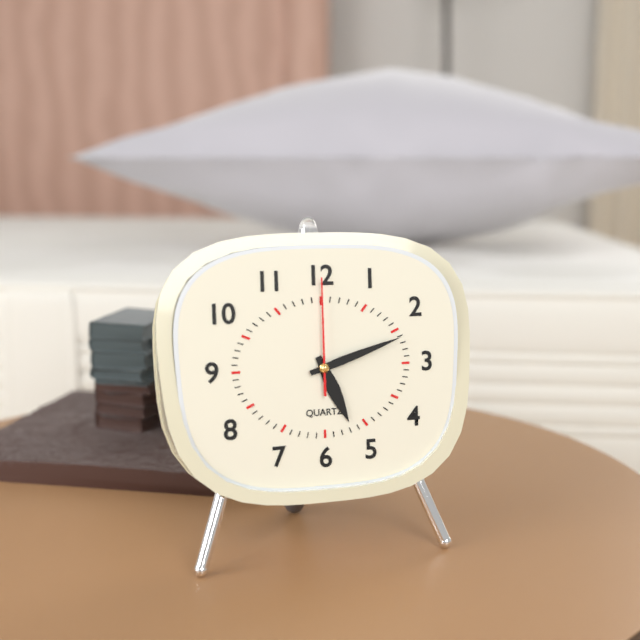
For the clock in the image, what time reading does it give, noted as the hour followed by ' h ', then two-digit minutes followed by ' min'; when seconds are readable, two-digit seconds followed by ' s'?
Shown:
5 h 12 min 00 s
